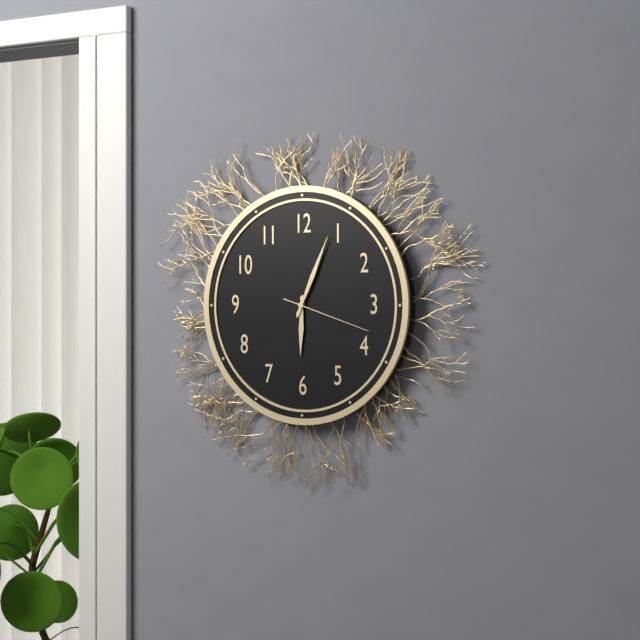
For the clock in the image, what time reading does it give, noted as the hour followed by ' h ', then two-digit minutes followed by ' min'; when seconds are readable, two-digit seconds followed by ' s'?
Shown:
6 h 04 min 18 s
